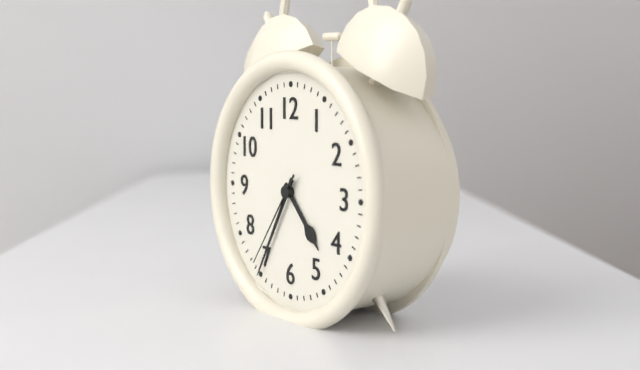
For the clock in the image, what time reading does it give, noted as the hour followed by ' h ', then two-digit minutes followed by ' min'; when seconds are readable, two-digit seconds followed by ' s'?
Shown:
4 h 35 min 36 s
